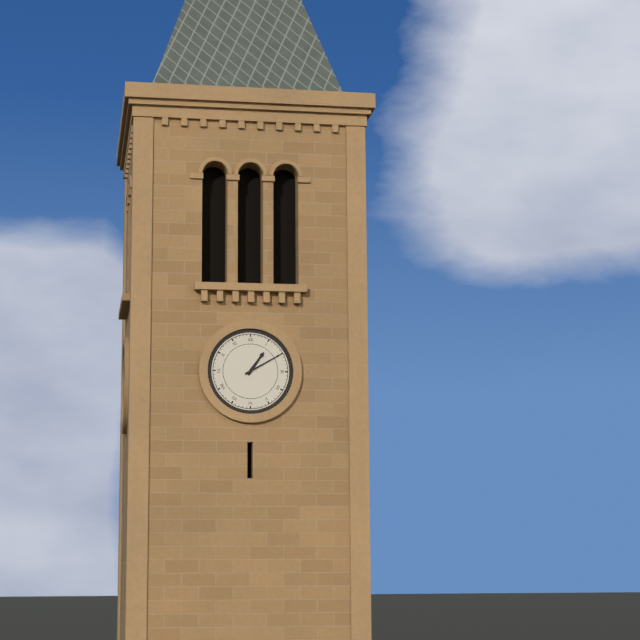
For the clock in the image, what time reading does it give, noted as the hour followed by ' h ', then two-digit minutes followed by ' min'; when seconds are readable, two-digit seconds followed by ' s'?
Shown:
1 h 10 min
